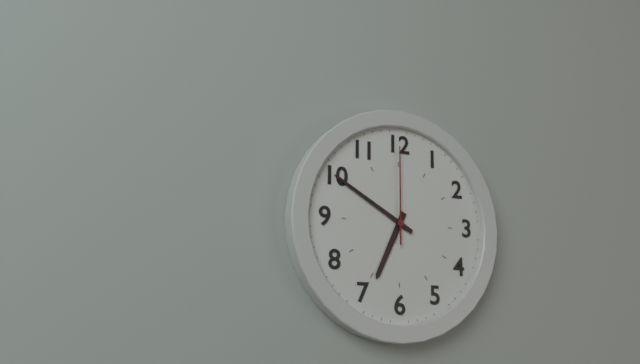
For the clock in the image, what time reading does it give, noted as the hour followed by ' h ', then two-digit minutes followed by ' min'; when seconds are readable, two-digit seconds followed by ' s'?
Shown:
6 h 50 min 00 s
